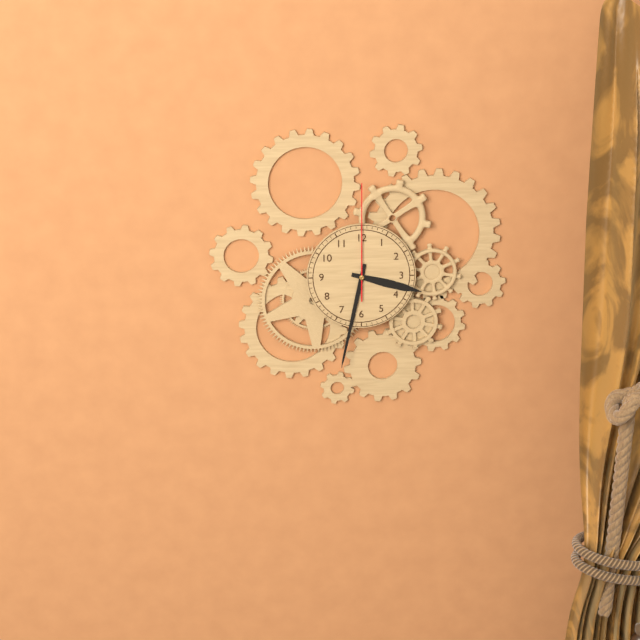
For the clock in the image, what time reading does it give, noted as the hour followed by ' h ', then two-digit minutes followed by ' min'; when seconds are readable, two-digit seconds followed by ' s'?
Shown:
3 h 32 min 00 s
